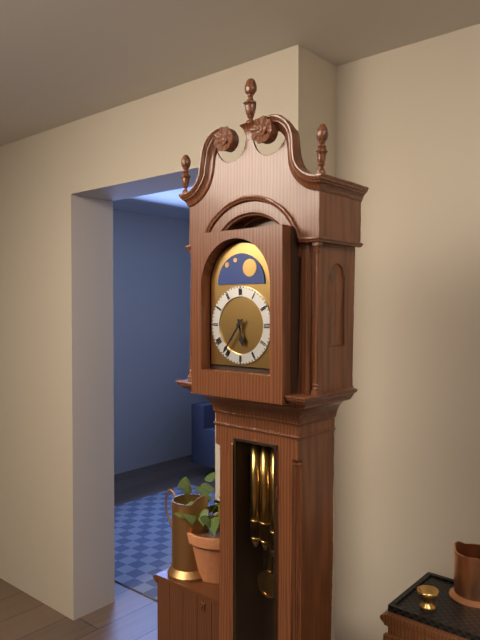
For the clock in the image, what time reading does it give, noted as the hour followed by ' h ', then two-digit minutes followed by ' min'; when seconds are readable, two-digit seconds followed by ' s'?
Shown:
5 h 36 min
